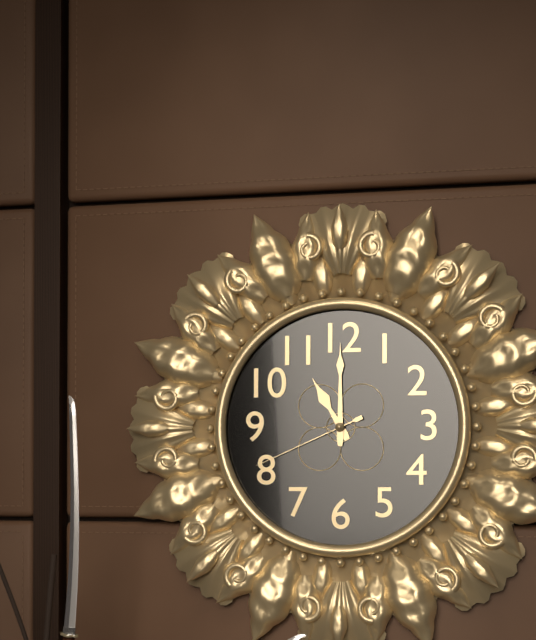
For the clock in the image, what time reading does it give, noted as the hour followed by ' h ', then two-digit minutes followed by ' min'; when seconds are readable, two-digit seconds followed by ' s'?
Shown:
11 h 00 min 41 s
